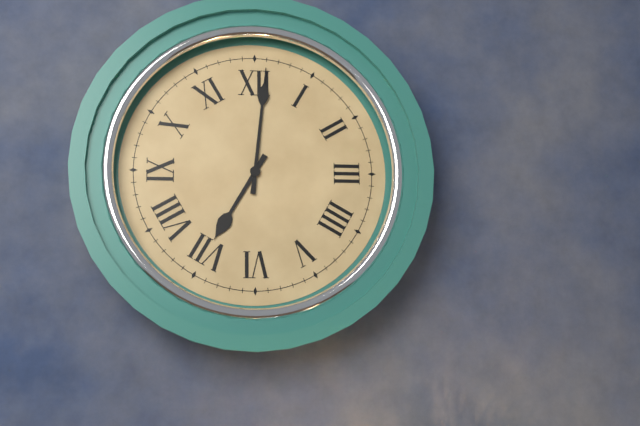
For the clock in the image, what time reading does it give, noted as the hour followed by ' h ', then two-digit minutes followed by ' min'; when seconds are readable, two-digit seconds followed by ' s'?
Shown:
7 h 01 min
